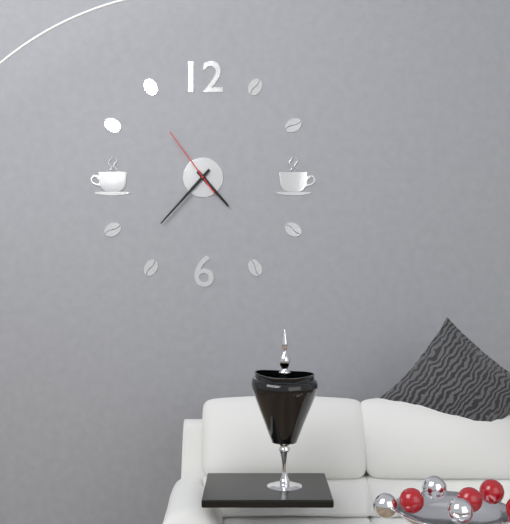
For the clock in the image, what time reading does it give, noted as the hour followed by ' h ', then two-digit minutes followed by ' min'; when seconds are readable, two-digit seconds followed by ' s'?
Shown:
4 h 37 min 54 s
